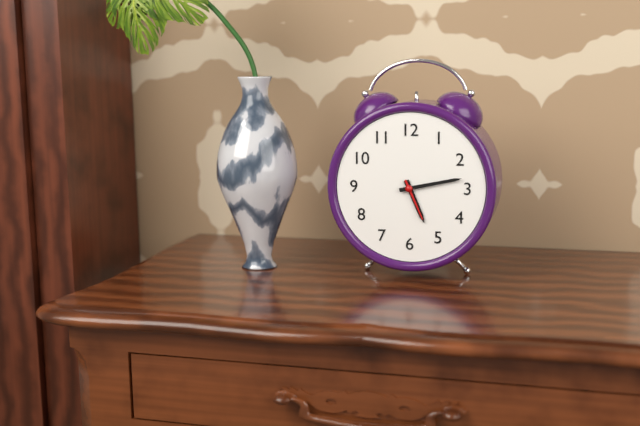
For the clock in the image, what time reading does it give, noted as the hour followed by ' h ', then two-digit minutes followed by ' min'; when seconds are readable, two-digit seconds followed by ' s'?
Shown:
5 h 13 min
